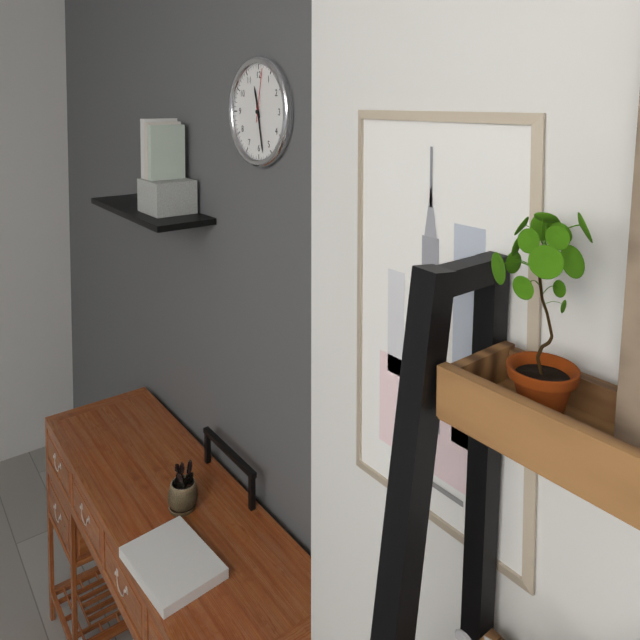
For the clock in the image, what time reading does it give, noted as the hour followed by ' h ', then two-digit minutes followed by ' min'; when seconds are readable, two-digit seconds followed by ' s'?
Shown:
11 h 28 min 02 s
